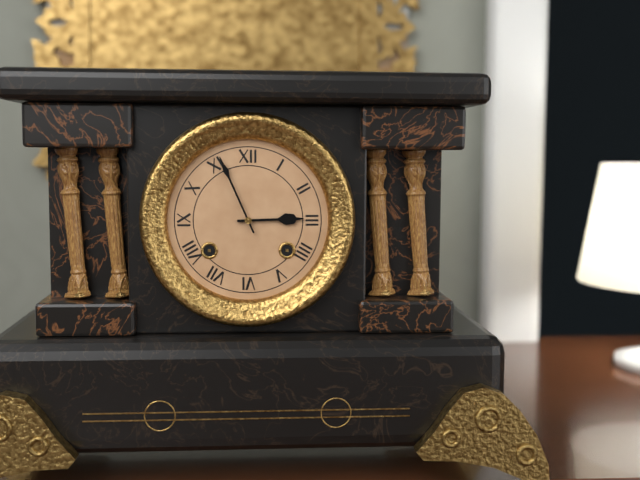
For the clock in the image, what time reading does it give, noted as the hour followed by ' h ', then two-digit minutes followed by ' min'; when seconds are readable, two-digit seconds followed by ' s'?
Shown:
2 h 56 min
